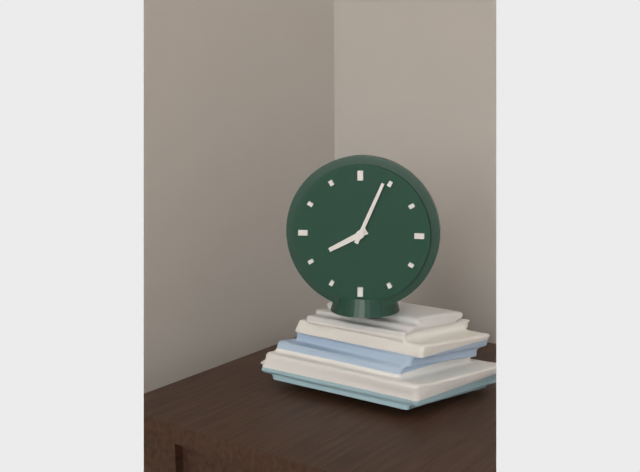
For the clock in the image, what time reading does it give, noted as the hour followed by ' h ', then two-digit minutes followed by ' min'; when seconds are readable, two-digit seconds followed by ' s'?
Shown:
8 h 04 min
